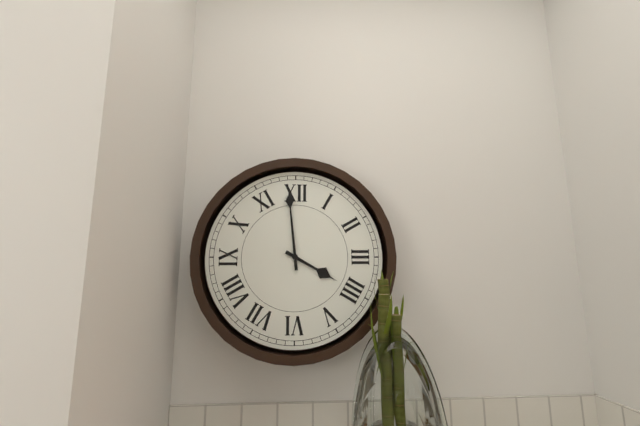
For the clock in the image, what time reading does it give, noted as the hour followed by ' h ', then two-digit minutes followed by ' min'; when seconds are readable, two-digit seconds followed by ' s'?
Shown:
3 h 59 min
